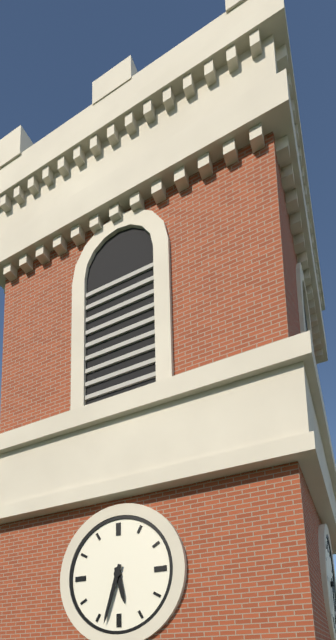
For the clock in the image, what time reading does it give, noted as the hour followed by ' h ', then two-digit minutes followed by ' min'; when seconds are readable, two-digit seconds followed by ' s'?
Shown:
5 h 33 min
